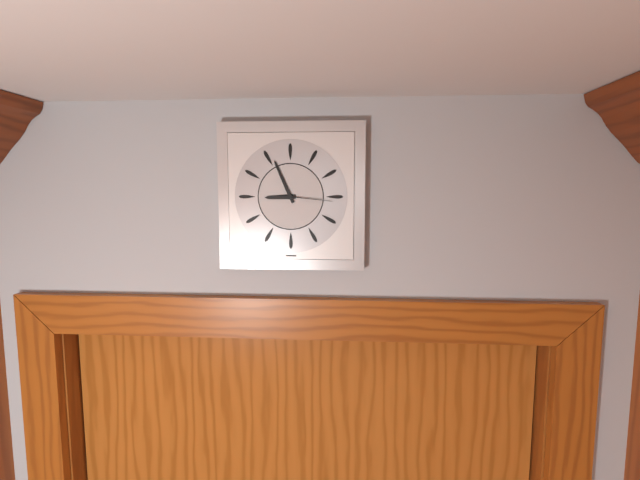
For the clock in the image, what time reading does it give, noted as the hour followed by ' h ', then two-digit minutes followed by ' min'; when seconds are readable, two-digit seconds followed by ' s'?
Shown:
8 h 56 min 16 s
